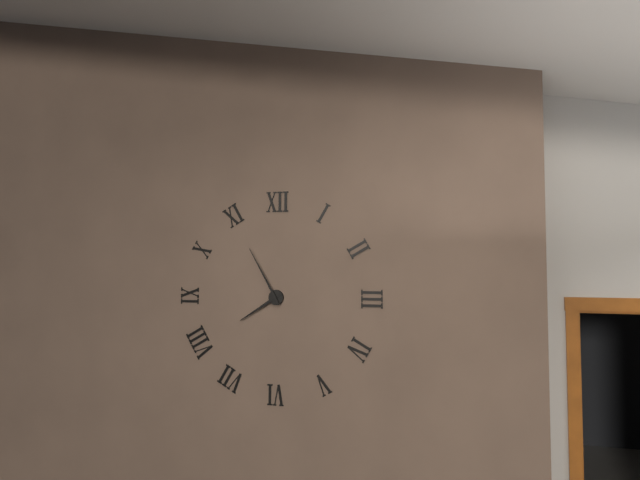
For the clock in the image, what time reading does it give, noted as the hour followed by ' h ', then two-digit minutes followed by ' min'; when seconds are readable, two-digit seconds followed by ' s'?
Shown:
7 h 55 min
